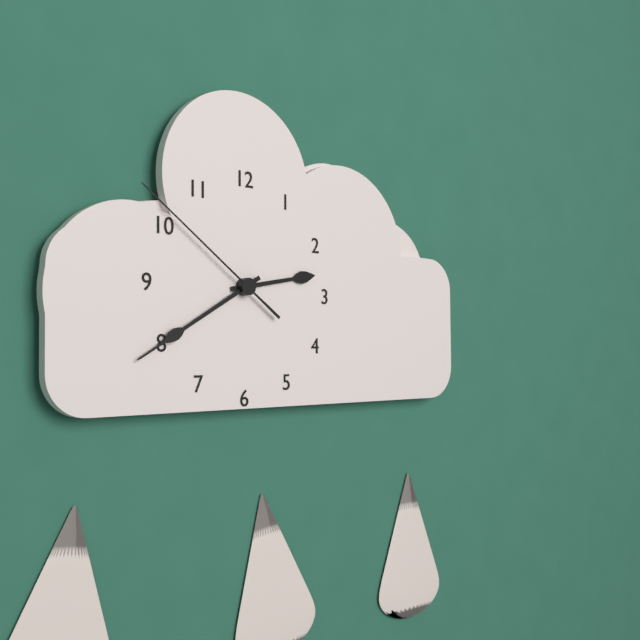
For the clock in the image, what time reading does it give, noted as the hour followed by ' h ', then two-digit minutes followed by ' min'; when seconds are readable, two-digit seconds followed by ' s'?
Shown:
2 h 40 min 51 s
